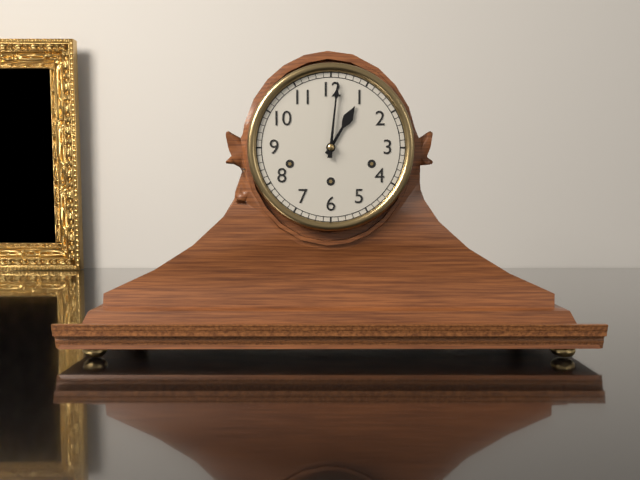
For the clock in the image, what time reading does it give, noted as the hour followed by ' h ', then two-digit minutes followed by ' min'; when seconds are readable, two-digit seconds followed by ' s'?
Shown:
1 h 01 min
